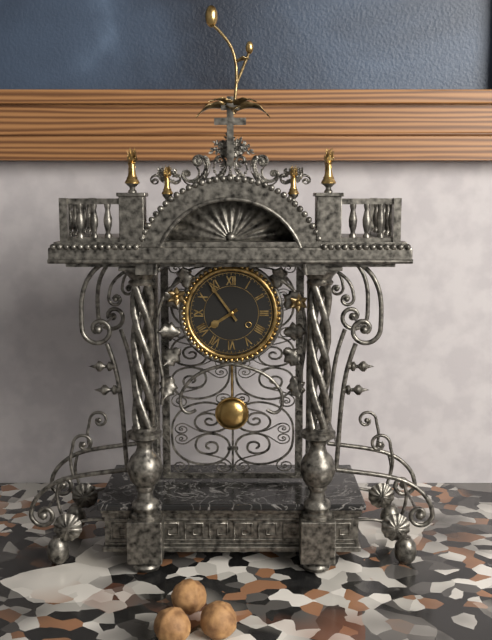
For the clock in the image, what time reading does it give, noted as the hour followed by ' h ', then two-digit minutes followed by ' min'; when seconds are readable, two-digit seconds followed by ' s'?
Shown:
7 h 54 min
